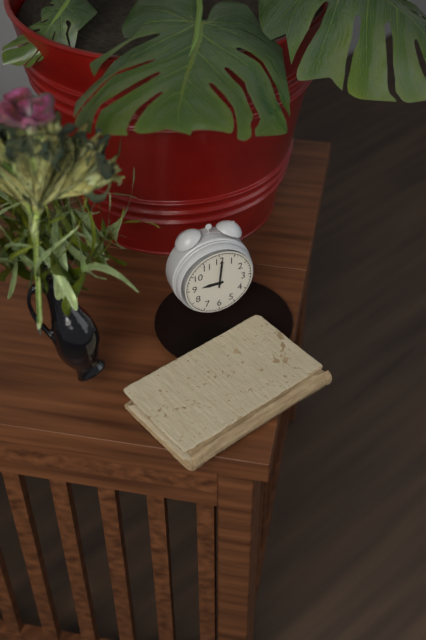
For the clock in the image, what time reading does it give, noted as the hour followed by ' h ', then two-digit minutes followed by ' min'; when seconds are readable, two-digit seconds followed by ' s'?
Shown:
9 h 01 min
